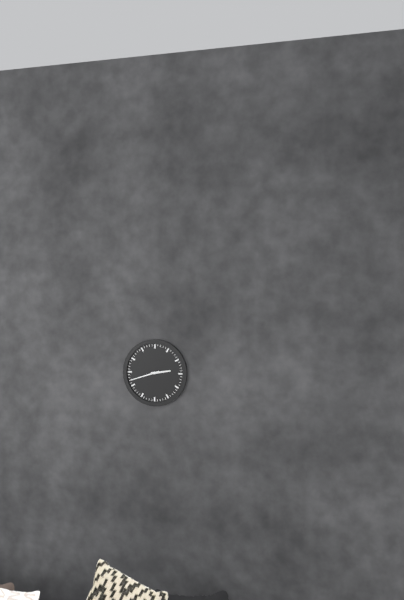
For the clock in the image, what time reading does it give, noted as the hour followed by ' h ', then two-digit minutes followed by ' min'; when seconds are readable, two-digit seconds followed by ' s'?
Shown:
2 h 42 min
